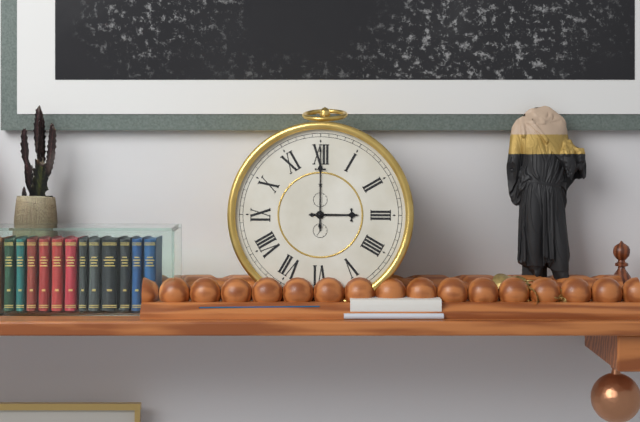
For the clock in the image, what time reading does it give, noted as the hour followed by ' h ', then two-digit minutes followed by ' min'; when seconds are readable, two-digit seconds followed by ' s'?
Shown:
3 h 00 min
